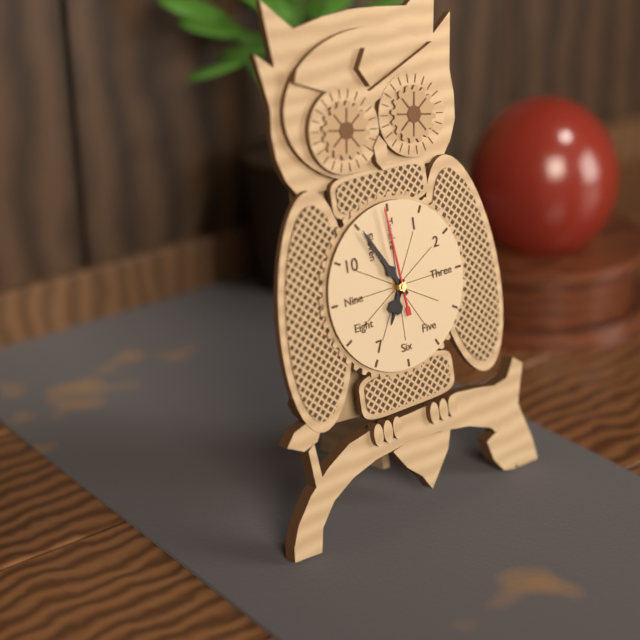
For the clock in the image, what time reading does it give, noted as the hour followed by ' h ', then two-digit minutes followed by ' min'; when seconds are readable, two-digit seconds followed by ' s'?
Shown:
6 h 55 min 59 s
